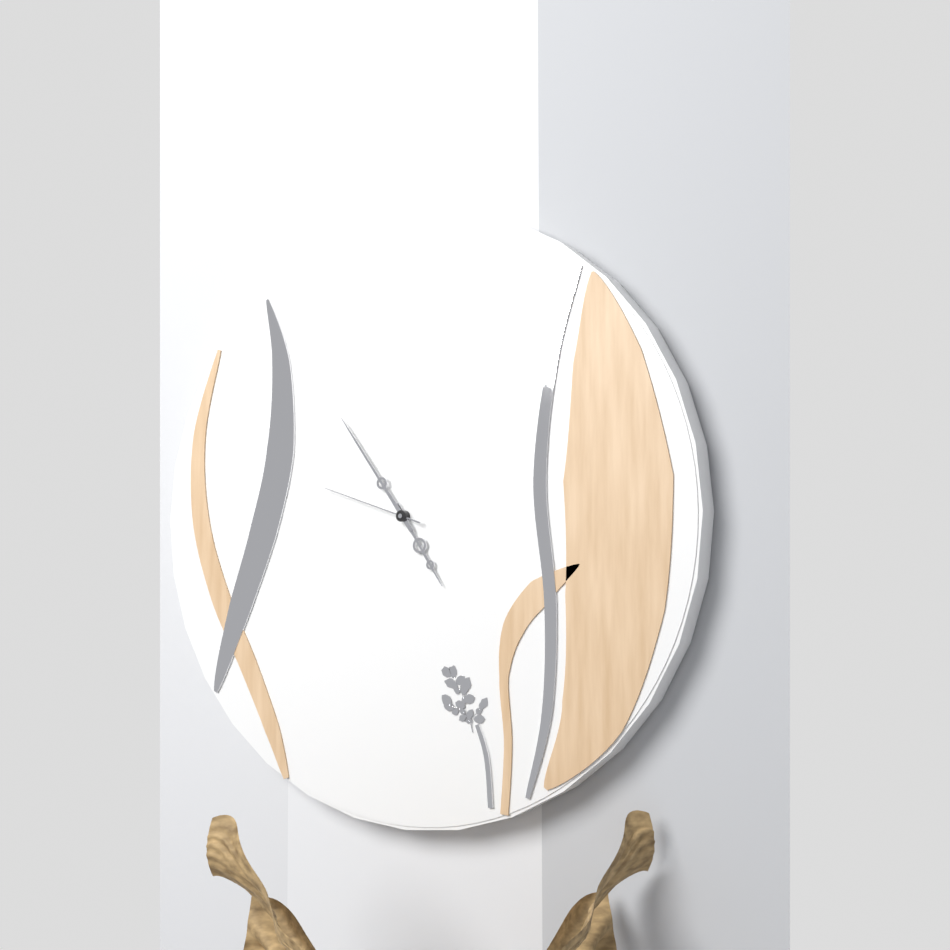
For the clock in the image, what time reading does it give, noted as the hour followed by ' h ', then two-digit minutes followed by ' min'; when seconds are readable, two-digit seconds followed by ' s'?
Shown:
4 h 54 min 48 s
